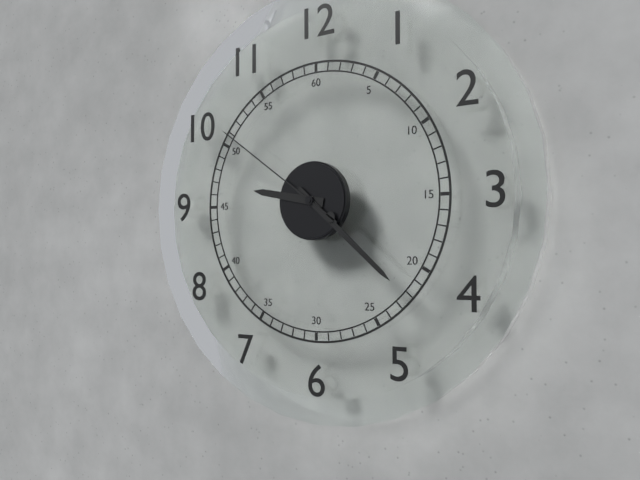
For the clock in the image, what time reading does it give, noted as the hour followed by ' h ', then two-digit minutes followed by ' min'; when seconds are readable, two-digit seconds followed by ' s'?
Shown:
9 h 22 min 51 s
